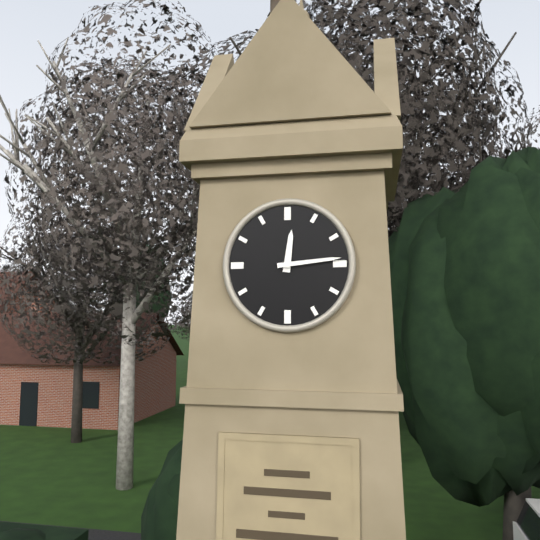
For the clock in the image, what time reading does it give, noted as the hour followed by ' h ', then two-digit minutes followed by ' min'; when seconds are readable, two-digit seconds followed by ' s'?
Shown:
12 h 14 min
